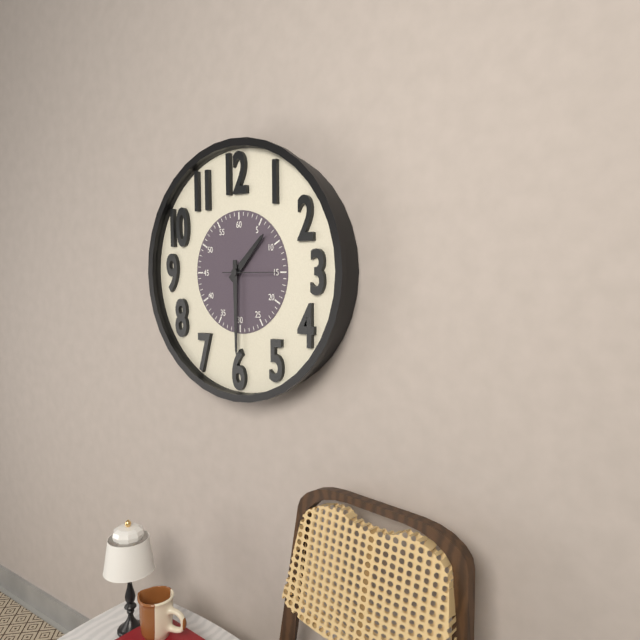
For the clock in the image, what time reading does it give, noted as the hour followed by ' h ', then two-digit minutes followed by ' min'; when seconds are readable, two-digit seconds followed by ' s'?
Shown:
1 h 30 min
